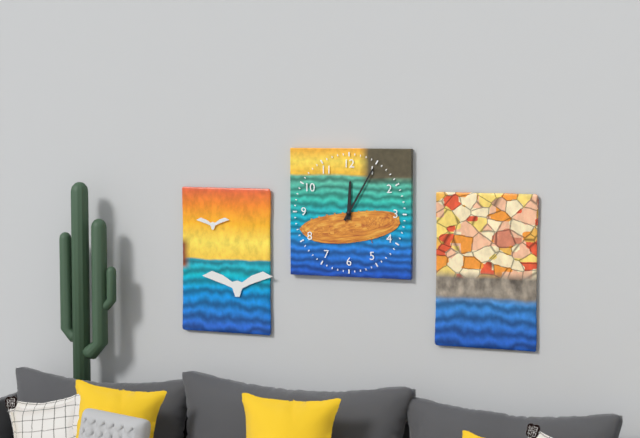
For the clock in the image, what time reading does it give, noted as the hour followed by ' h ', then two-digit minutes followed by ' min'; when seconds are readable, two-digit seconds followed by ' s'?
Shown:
12 h 05 min
